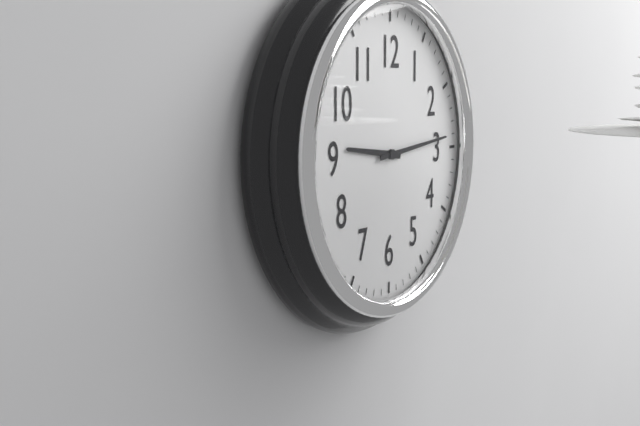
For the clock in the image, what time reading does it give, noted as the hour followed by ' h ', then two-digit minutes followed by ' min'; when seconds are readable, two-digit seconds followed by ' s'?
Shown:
9 h 14 min
